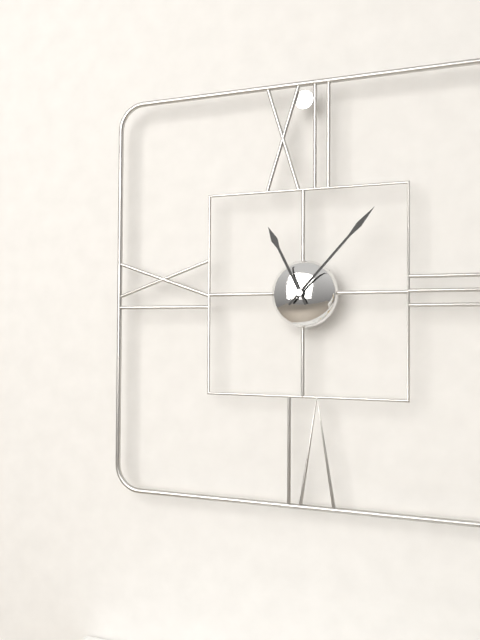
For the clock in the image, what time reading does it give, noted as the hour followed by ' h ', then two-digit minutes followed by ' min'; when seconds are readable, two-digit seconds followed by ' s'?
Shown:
11 h 07 min
